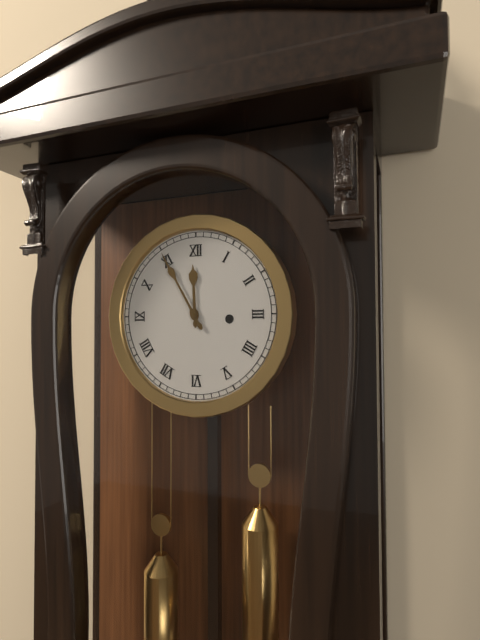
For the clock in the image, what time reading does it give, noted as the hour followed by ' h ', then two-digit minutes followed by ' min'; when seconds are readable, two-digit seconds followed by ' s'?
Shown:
11 h 55 min
